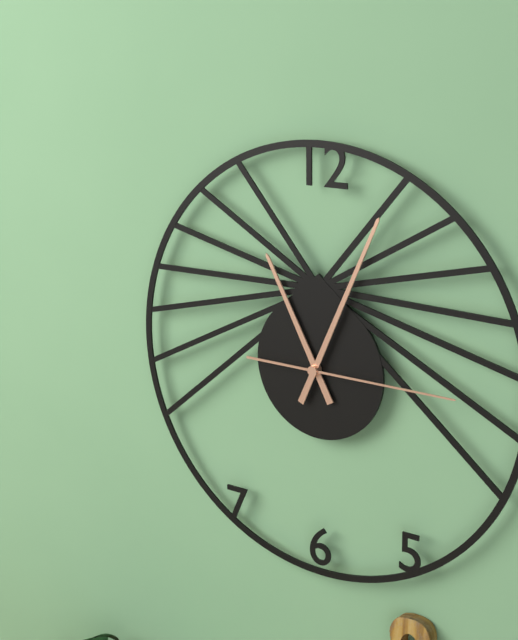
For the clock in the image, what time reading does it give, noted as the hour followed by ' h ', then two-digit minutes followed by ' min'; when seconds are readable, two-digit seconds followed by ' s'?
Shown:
11 h 04 min 15 s
